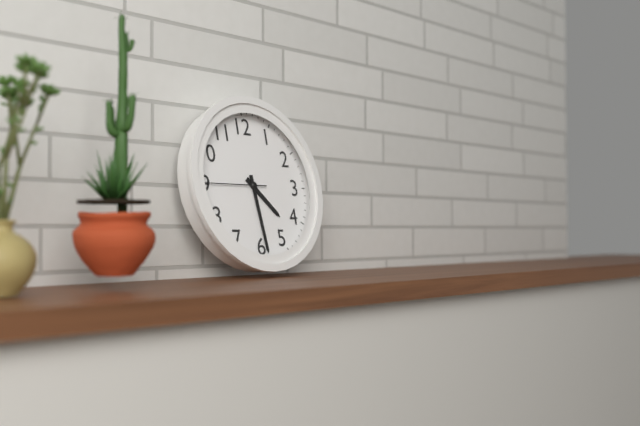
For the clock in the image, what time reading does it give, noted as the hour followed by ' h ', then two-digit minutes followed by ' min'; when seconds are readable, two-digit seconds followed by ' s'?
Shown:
4 h 29 min 45 s
